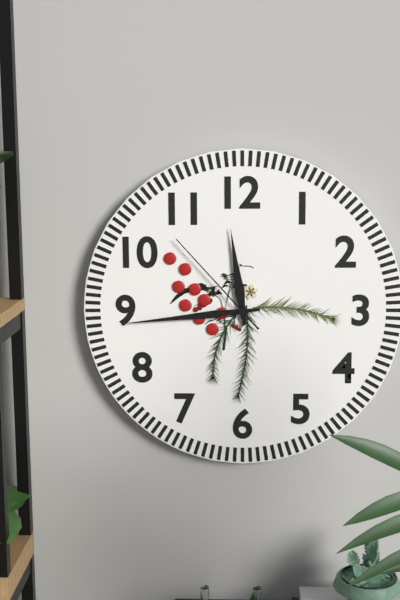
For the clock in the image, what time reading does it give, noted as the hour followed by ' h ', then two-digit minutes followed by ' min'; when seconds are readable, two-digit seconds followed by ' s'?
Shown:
11 h 44 min 53 s
